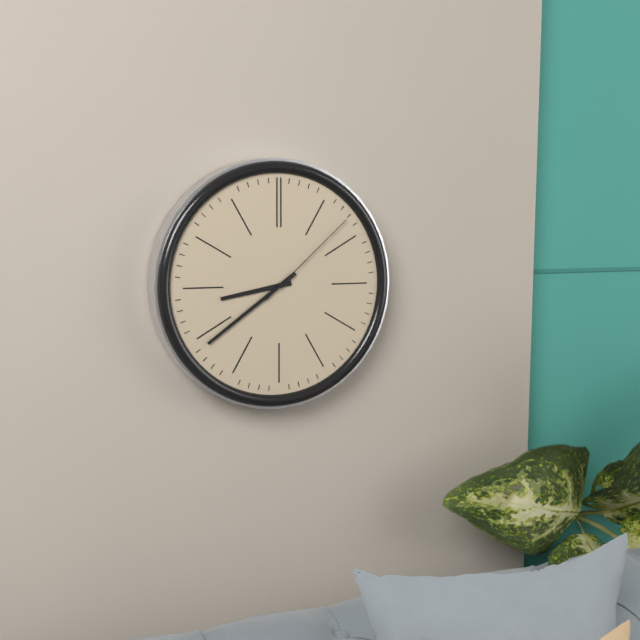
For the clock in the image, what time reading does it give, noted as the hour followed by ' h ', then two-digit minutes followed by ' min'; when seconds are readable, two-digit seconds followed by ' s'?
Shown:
8 h 39 min 08 s
